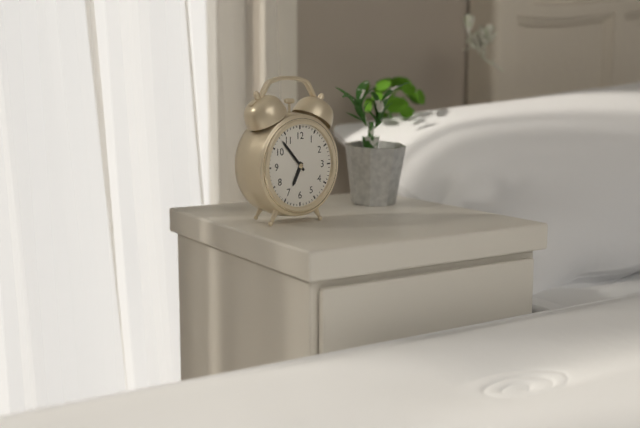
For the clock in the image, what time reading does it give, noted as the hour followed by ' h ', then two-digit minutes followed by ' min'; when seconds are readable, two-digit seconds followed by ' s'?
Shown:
6 h 53 min
